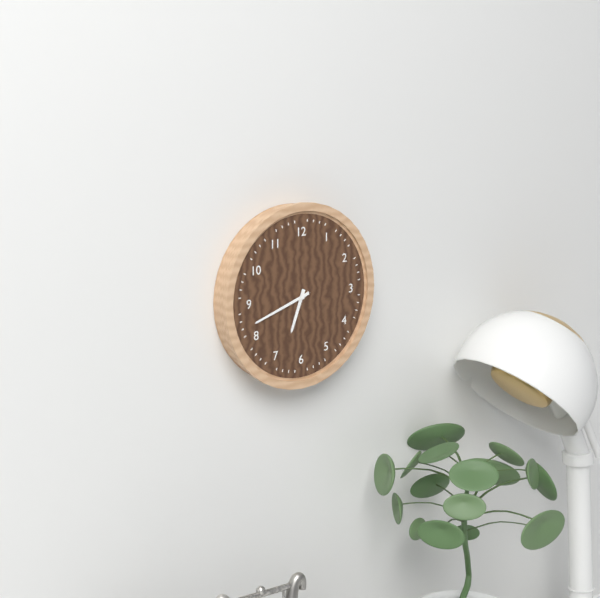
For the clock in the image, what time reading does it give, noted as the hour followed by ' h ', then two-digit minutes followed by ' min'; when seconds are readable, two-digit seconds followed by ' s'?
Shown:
6 h 42 min
